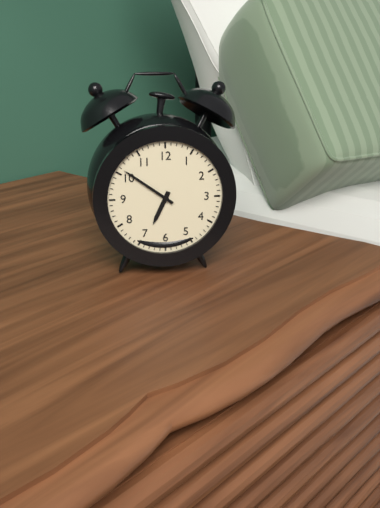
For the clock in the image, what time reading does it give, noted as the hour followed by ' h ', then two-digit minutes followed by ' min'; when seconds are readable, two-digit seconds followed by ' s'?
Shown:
6 h 51 min
